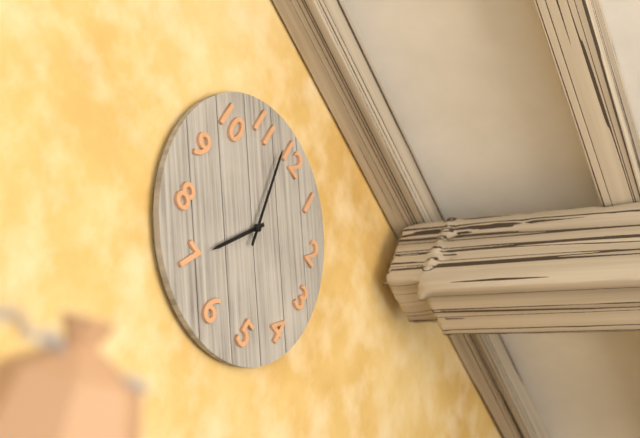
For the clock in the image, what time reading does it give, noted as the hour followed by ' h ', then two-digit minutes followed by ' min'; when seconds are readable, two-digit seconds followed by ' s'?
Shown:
6 h 58 min
